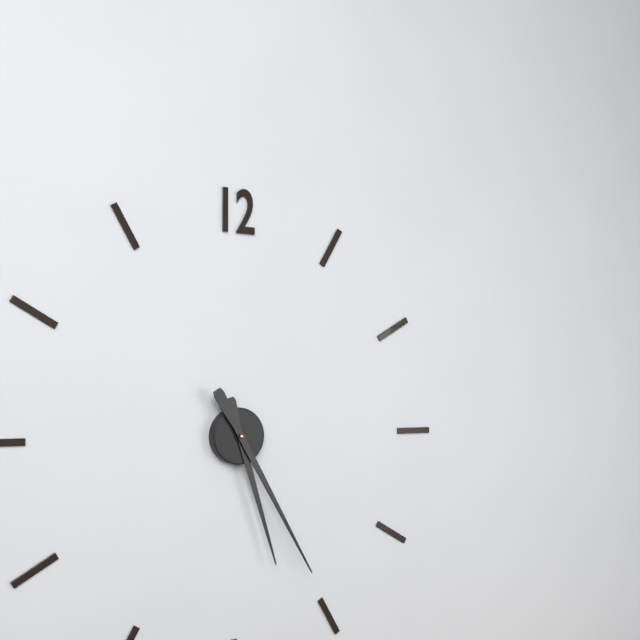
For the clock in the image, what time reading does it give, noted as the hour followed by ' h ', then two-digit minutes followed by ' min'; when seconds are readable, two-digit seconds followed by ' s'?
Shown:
5 h 25 min
